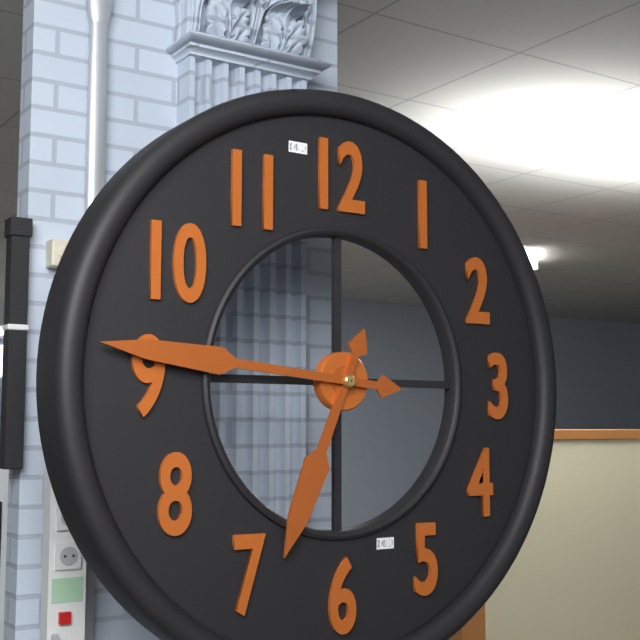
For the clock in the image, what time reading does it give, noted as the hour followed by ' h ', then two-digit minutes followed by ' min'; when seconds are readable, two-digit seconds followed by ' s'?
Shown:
6 h 46 min
